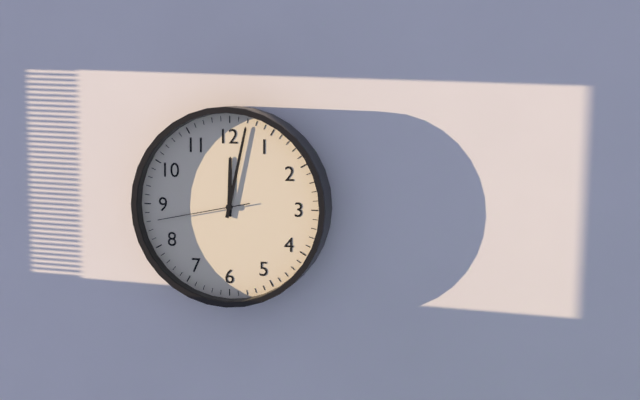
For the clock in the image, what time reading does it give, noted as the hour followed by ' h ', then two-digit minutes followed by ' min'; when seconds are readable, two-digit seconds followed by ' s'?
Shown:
12 h 02 min 43 s
